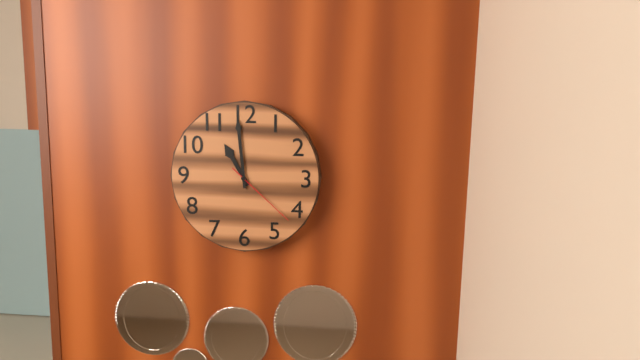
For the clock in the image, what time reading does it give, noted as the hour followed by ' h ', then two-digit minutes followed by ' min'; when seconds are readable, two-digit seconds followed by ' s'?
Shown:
10 h 59 min 22 s
